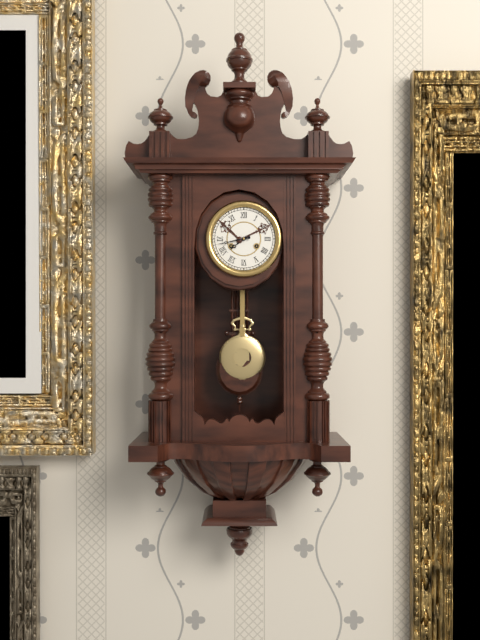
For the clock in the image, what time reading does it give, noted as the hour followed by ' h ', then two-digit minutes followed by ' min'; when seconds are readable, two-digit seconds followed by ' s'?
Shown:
7 h 43 min
